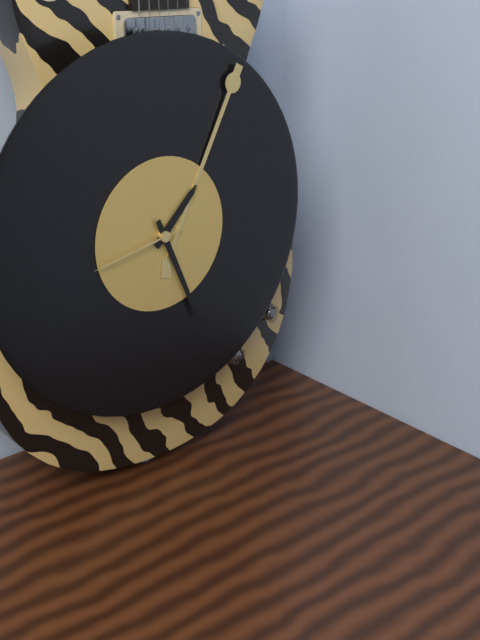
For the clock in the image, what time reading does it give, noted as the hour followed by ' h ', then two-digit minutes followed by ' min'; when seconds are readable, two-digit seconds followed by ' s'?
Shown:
1 h 26 min 43 s
